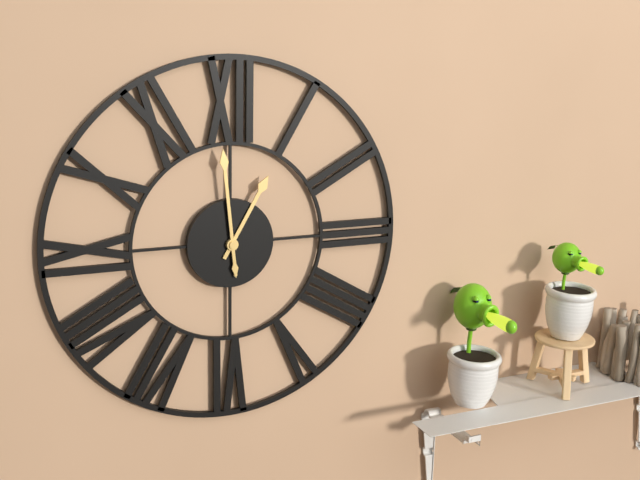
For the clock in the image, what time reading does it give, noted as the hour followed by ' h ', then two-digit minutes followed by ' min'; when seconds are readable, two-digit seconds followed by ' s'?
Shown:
12 h 59 min
